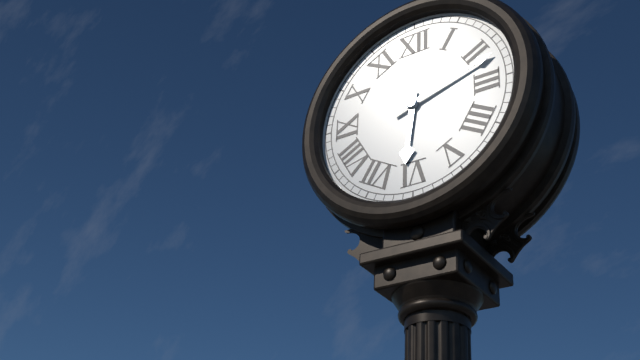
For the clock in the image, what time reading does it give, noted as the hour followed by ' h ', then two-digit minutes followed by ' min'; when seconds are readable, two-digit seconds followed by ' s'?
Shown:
6 h 12 min
